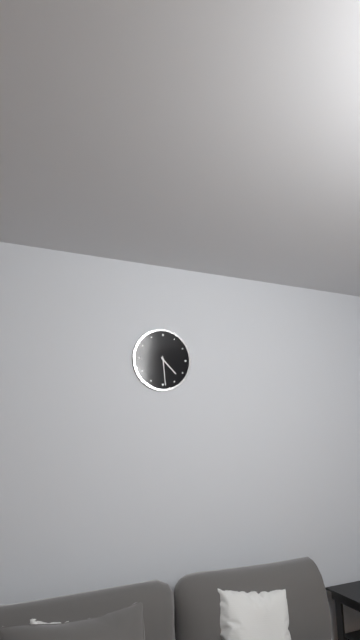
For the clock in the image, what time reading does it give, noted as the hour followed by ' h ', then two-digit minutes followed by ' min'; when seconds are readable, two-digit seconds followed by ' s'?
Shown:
4 h 29 min
